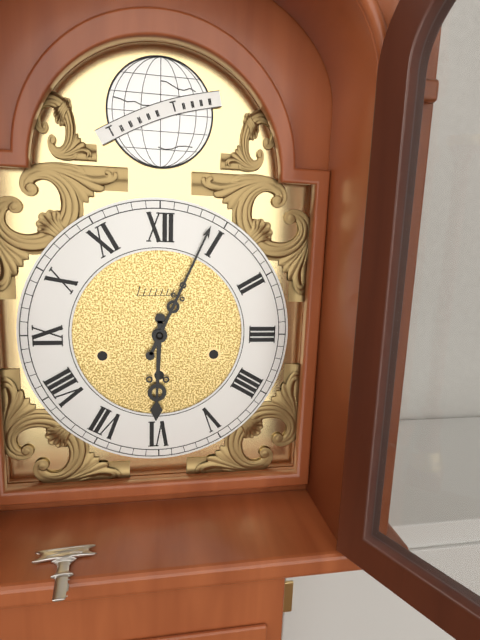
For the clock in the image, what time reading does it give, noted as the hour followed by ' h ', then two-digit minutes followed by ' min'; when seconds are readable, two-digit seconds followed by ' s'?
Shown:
6 h 04 min
